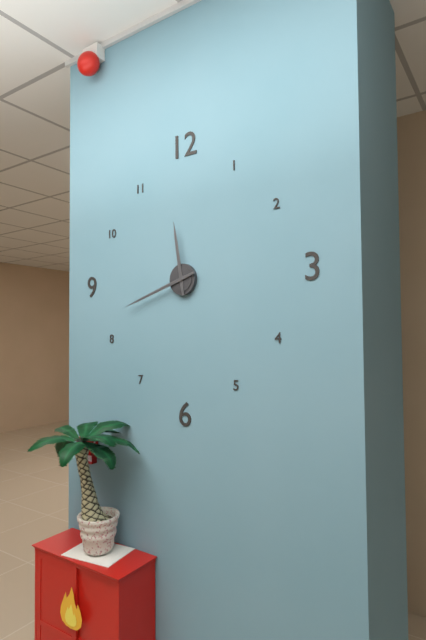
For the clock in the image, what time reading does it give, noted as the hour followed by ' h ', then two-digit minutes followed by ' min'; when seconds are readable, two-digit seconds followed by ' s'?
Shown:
11 h 42 min
